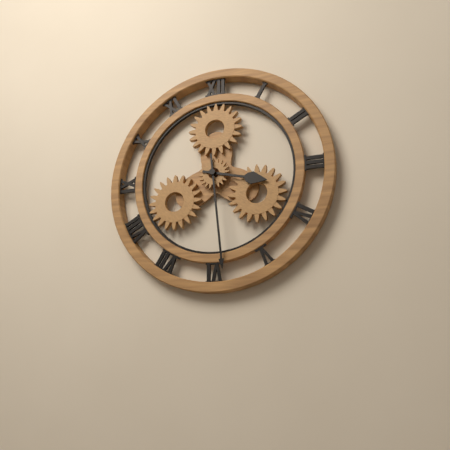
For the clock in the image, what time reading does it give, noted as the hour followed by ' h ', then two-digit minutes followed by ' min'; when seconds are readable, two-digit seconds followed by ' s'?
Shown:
3 h 29 min
